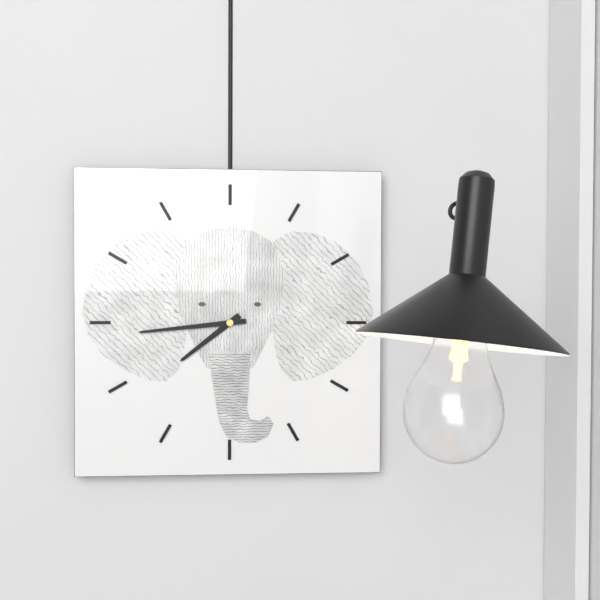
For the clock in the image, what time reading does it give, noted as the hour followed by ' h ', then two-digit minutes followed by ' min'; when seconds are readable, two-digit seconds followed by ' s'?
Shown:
7 h 44 min
